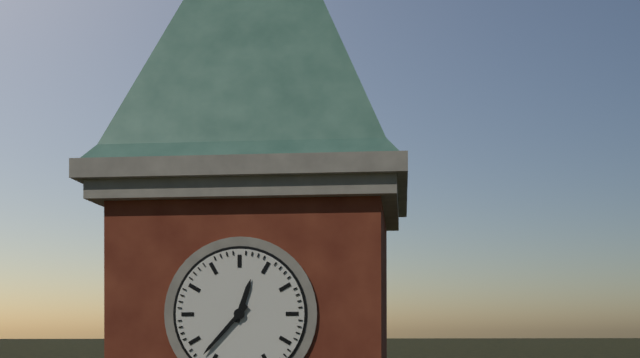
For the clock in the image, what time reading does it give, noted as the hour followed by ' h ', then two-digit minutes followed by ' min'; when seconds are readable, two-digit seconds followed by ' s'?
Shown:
12 h 37 min
